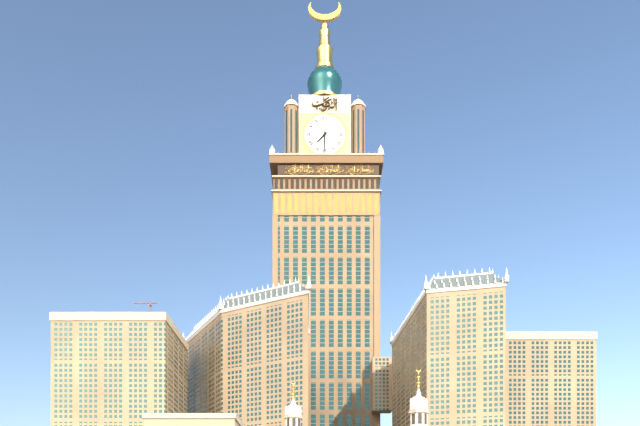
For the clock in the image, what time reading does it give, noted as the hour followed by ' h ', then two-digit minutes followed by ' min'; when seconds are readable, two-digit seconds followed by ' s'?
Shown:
7 h 30 min
